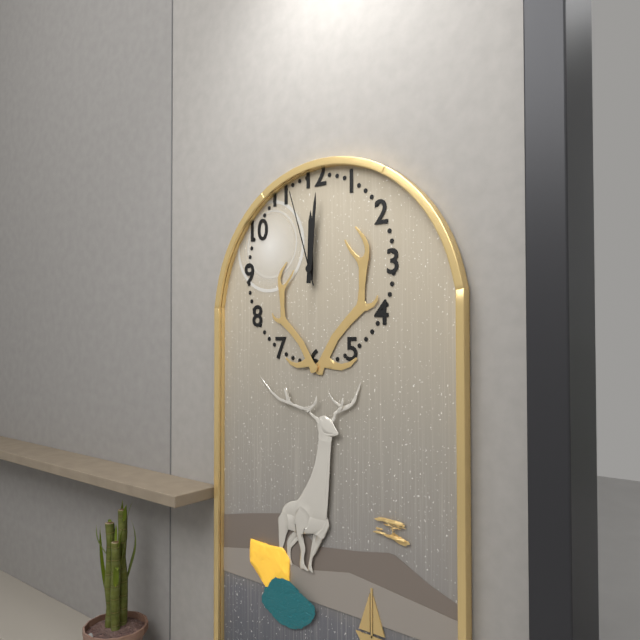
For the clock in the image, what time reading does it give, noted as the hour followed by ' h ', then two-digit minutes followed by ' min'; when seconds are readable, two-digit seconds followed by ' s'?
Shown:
12 h 01 min 57 s
